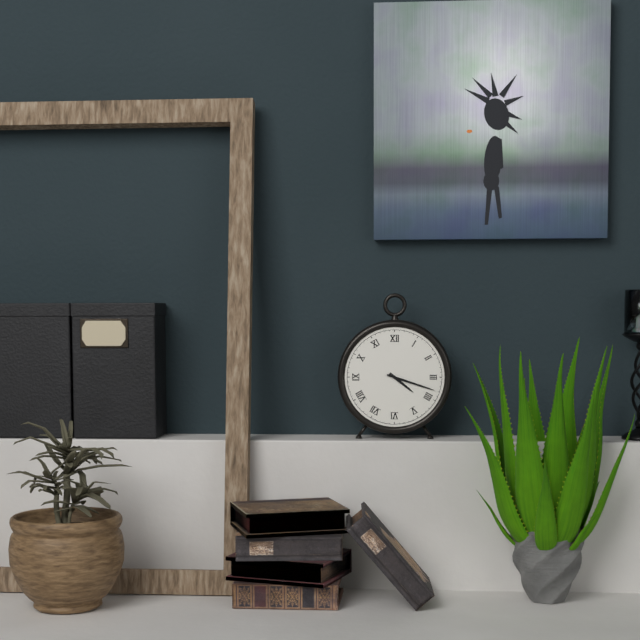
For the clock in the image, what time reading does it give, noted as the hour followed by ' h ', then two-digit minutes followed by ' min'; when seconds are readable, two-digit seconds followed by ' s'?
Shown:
4 h 18 min
